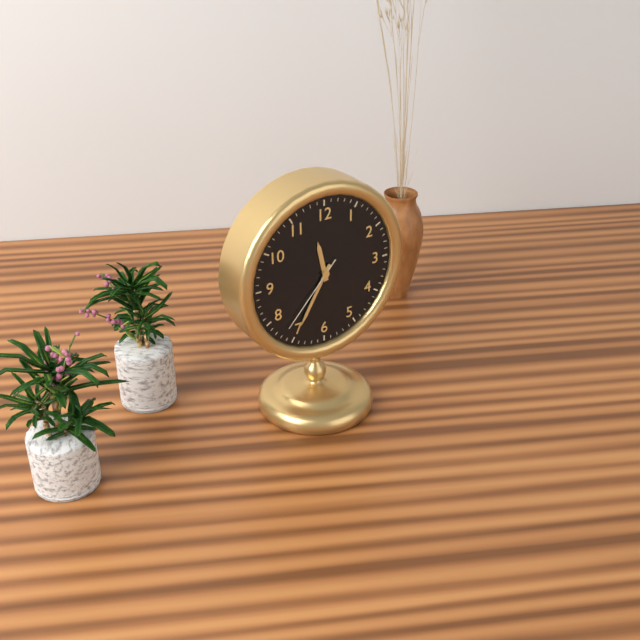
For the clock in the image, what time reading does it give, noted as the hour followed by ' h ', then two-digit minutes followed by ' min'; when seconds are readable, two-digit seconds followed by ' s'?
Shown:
11 h 35 min 37 s
